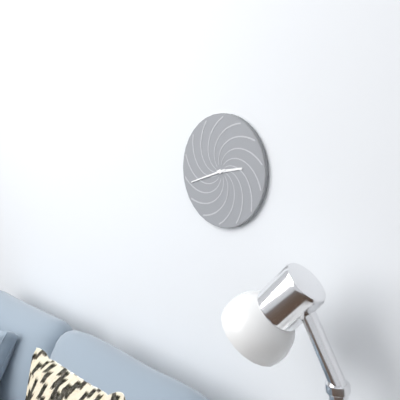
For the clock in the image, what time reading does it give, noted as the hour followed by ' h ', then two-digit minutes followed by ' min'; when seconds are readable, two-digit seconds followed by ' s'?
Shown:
2 h 42 min
